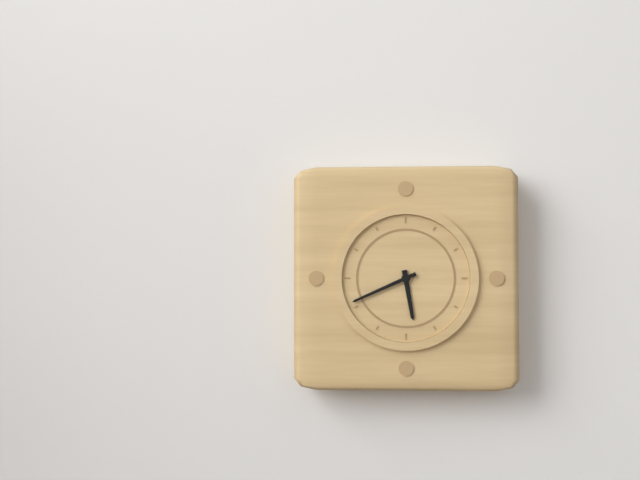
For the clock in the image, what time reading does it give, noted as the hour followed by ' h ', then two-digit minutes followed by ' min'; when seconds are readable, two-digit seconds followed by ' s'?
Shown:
5 h 41 min
